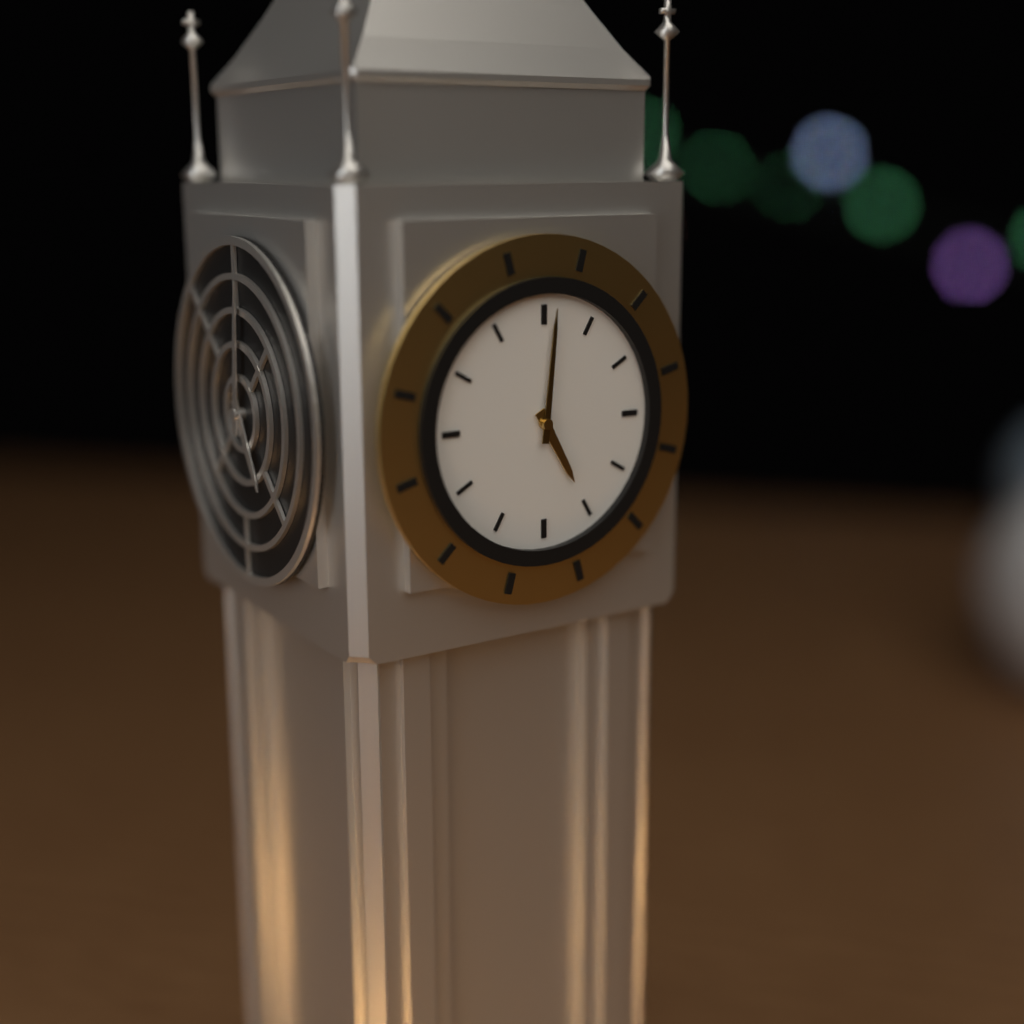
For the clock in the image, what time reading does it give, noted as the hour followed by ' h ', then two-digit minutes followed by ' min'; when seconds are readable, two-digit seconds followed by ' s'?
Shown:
5 h 01 min
